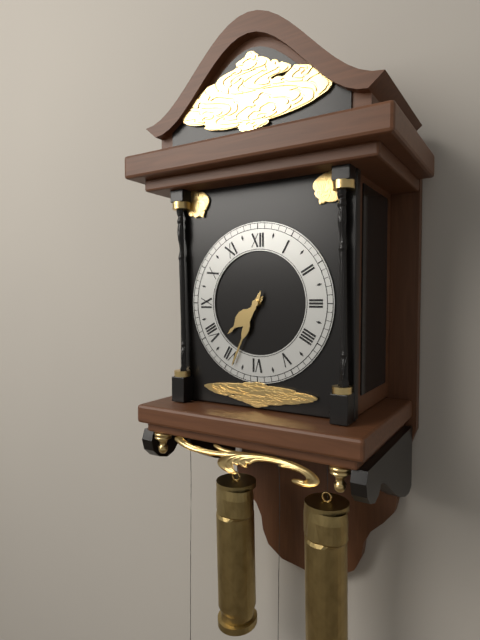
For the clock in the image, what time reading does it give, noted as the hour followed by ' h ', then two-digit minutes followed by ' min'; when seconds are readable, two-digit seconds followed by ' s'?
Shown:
7 h 34 min
